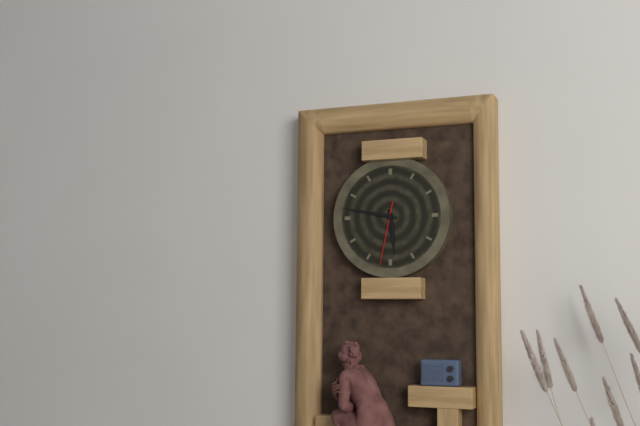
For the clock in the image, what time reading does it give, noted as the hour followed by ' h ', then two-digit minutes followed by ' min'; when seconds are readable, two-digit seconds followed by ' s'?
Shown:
5 h 47 min 32 s
